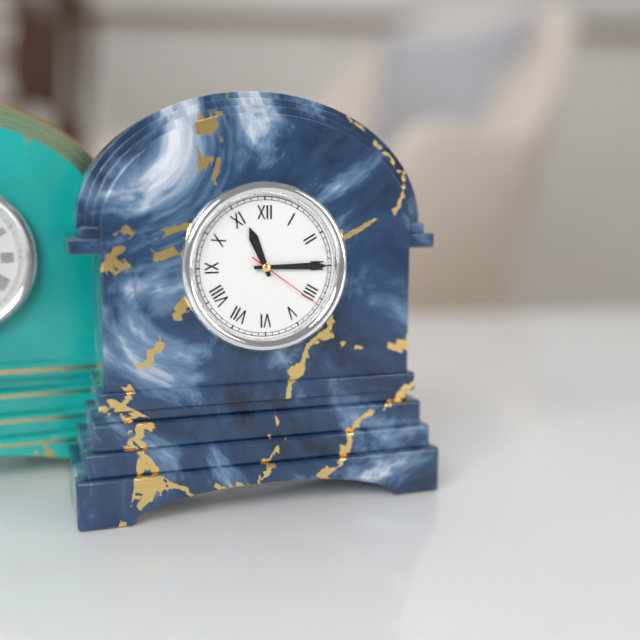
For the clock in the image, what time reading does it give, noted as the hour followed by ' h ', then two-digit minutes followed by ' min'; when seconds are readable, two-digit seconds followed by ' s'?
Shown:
11 h 15 min 21 s
